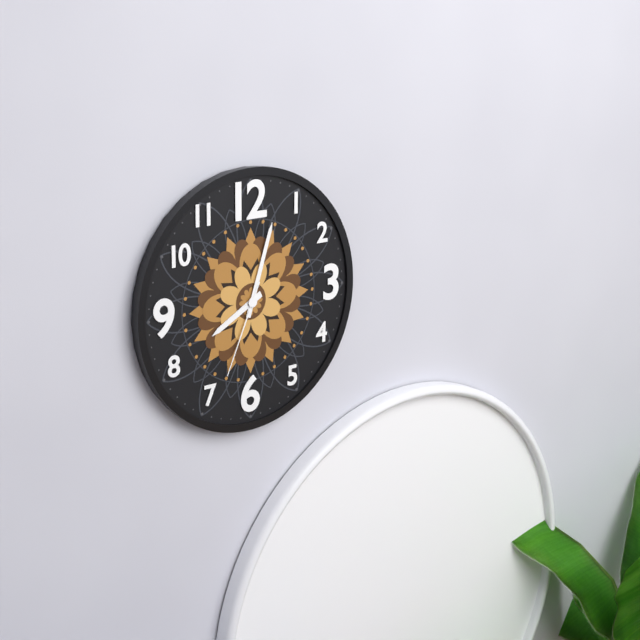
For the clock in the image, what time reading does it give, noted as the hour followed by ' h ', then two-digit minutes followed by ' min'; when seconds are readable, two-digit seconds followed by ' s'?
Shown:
8 h 03 min 34 s
